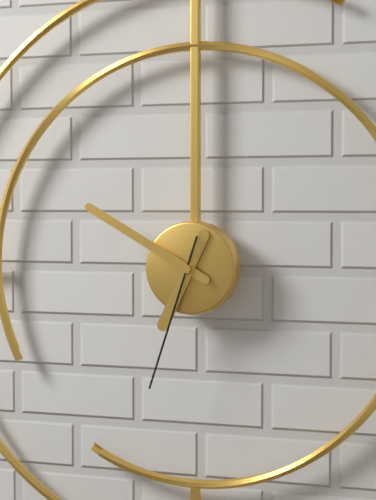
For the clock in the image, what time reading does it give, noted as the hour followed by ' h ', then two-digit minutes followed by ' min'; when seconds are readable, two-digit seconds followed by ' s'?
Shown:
6 h 50 min 33 s
